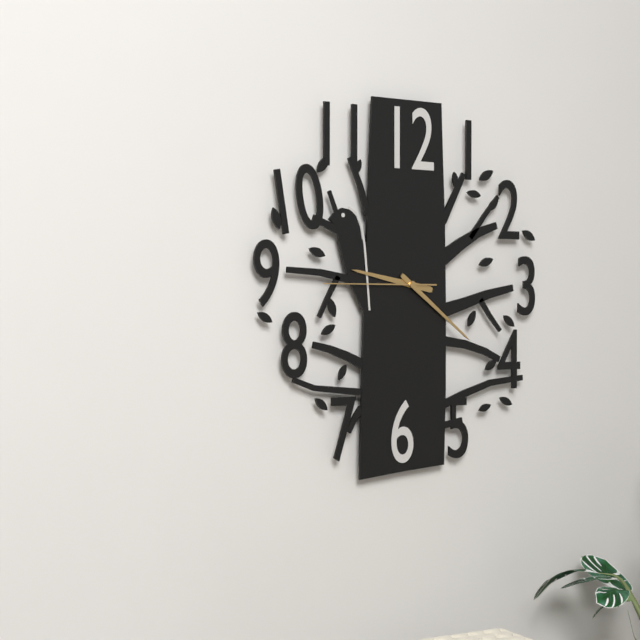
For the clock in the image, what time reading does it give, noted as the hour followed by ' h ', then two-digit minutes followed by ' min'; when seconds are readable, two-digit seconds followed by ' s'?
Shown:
9 h 21 min 45 s
